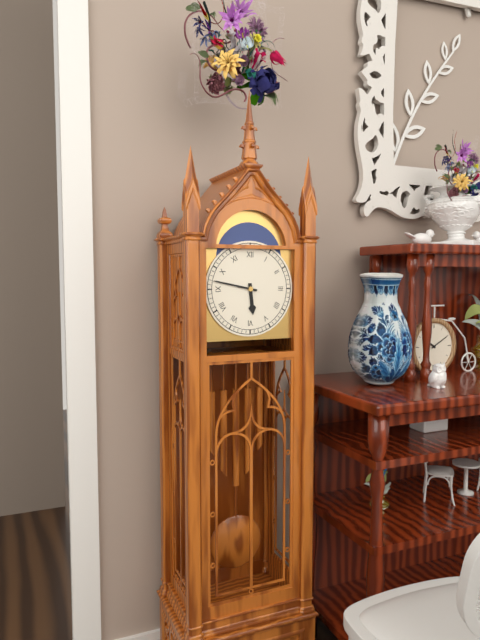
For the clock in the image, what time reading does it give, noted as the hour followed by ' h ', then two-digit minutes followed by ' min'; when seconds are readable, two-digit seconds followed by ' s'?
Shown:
5 h 47 min
